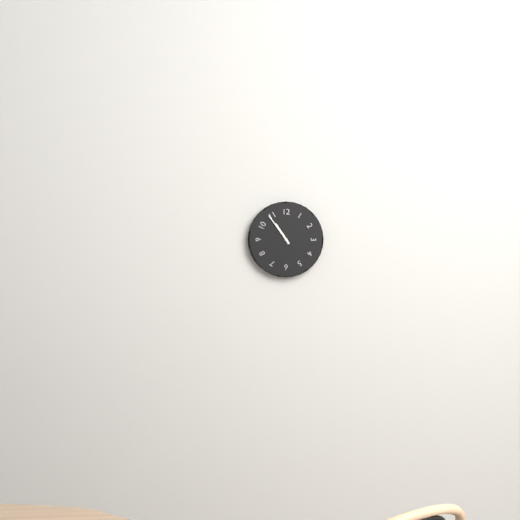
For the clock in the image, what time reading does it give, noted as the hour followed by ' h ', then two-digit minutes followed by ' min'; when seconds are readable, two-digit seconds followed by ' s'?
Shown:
10 h 54 min
